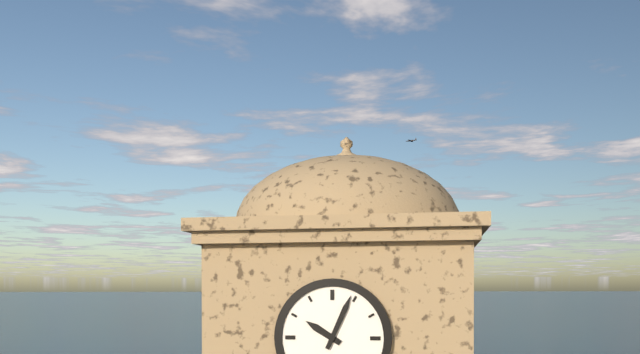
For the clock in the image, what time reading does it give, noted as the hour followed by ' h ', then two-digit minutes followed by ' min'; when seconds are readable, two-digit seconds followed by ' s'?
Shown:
10 h 04 min
